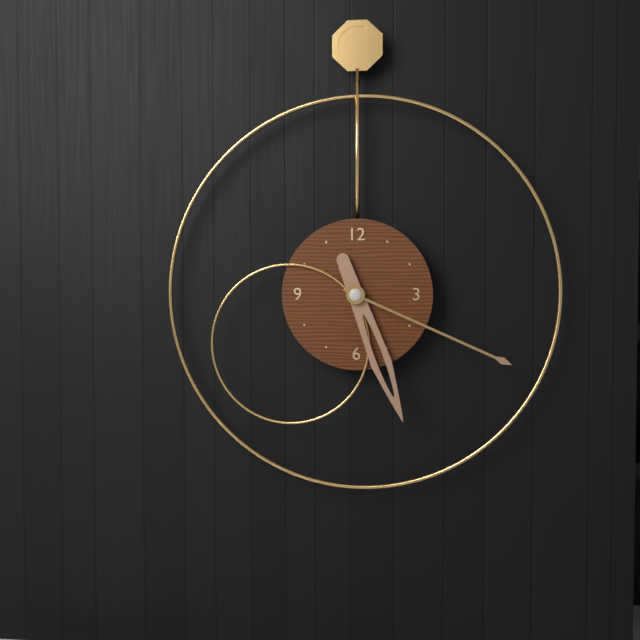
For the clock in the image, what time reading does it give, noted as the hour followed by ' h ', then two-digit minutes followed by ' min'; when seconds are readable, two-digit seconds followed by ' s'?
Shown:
5 h 19 min
